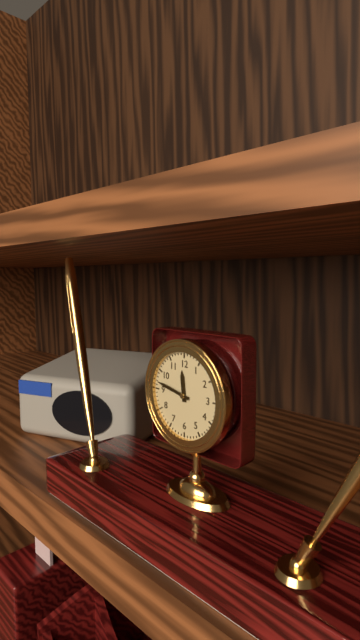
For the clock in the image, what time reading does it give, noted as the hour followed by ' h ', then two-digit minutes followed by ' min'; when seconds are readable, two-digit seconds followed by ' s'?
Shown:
11 h 47 min
